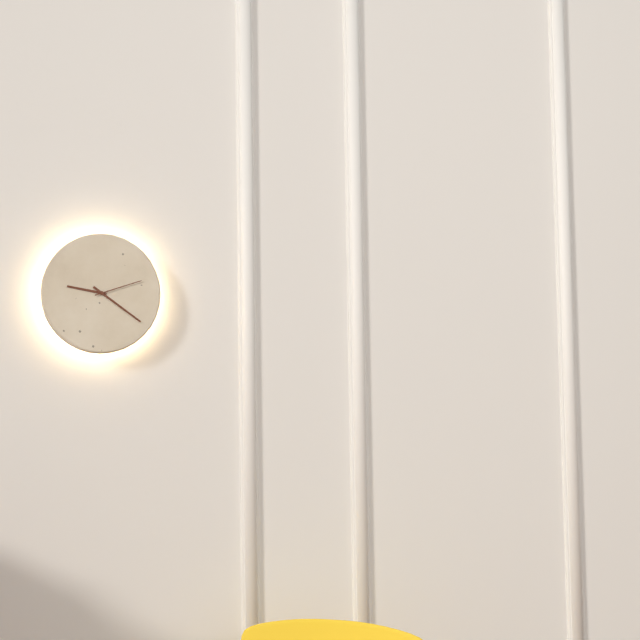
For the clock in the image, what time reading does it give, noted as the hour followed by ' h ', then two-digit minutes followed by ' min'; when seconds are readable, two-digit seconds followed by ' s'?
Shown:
9 h 21 min 12 s
